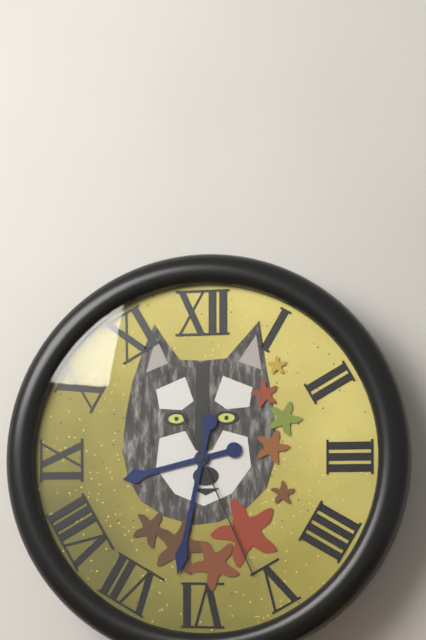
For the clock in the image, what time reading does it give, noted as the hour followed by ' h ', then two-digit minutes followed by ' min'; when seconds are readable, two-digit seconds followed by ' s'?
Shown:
8 h 32 min 26 s
